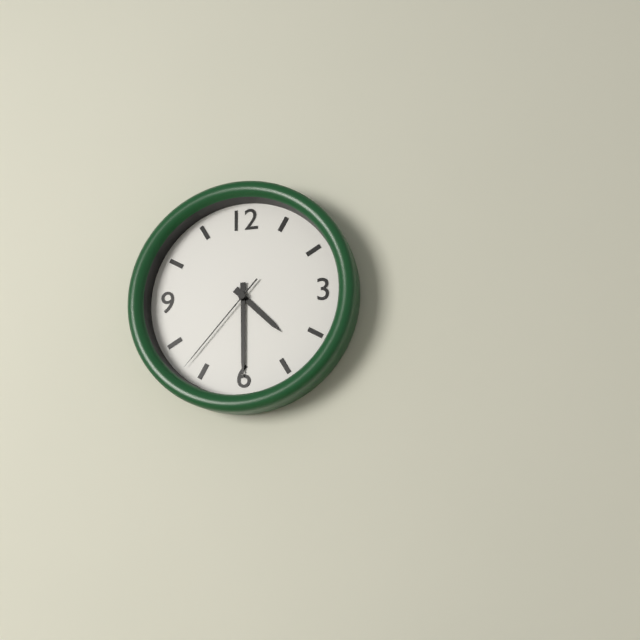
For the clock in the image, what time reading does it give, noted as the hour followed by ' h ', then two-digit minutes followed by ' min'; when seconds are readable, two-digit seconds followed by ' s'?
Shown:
4 h 30 min 37 s
